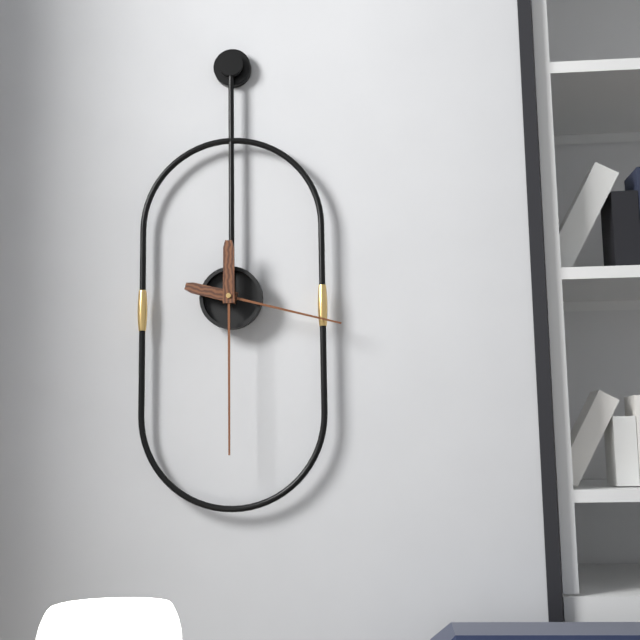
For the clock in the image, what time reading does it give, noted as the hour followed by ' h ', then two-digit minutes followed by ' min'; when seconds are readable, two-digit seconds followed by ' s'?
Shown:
3 h 30 min
